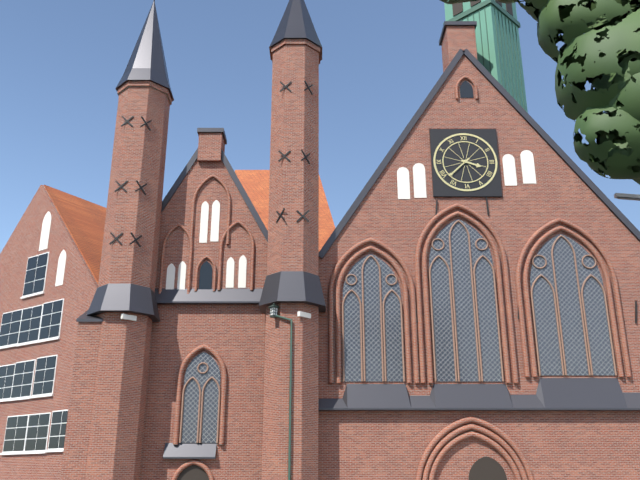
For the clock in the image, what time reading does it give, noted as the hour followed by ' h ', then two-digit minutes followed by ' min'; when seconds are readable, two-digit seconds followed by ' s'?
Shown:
3 h 38 min
